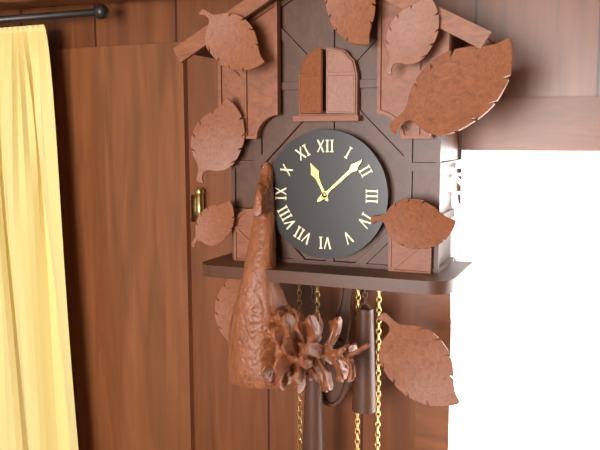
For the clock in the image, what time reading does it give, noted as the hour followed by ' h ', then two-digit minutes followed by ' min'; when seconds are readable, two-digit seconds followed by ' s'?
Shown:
11 h 08 min
